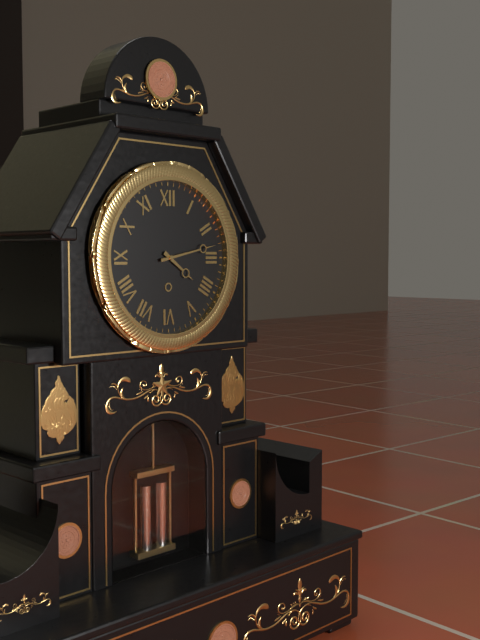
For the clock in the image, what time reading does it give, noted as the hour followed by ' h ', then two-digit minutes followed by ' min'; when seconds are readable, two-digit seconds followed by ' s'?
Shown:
4 h 13 min
